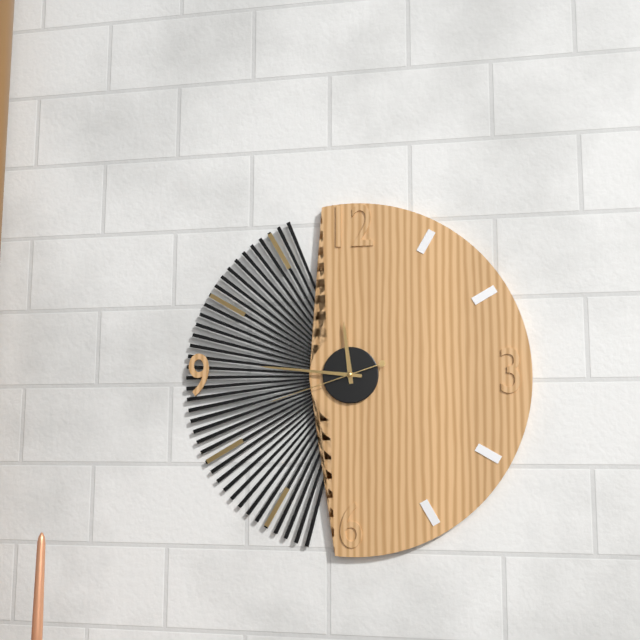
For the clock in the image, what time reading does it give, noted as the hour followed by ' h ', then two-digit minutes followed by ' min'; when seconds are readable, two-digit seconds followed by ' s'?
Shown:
11 h 46 min 42 s
